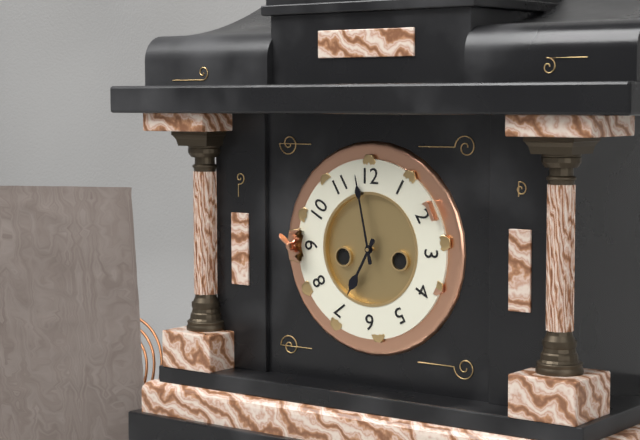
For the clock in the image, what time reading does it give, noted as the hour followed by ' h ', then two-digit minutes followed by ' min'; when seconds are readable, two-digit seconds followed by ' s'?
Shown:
6 h 58 min
